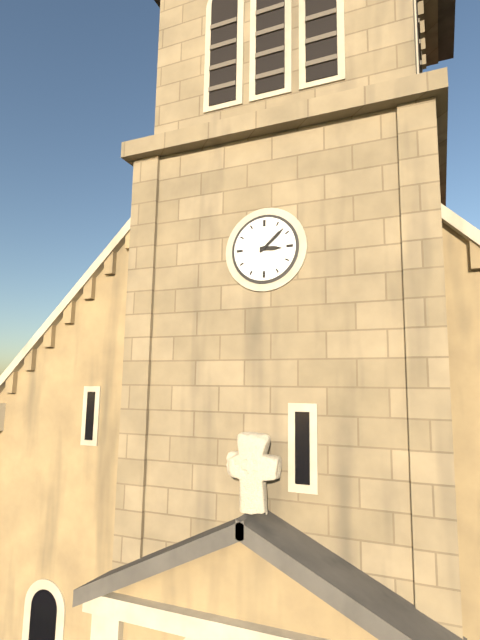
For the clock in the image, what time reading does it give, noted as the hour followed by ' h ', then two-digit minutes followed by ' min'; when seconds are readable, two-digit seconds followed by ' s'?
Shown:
3 h 08 min
